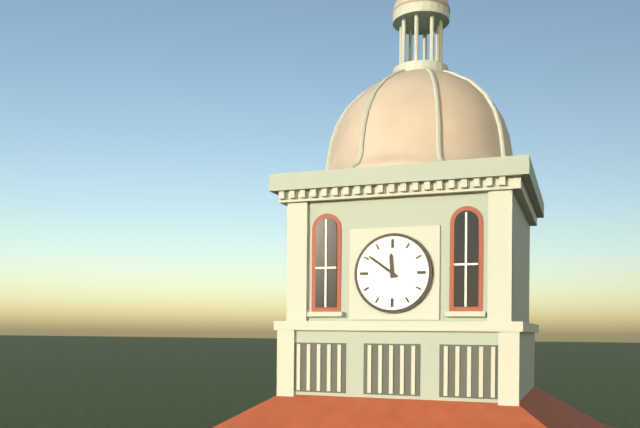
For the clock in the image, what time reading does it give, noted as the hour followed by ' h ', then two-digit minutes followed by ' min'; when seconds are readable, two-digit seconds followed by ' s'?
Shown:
11 h 51 min
